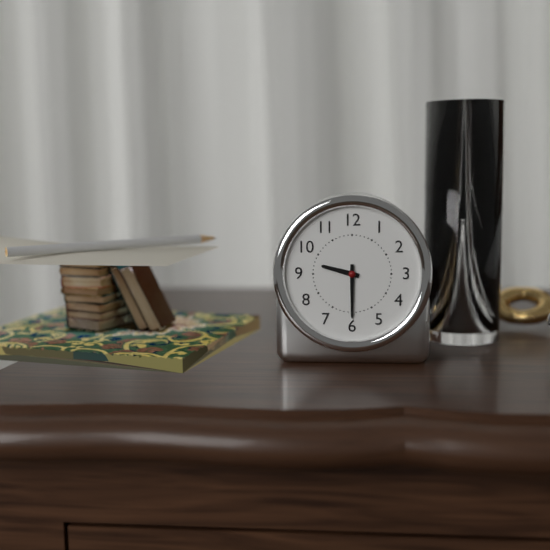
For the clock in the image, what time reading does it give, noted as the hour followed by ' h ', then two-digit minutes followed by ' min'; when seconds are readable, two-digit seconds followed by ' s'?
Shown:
9 h 30 min
